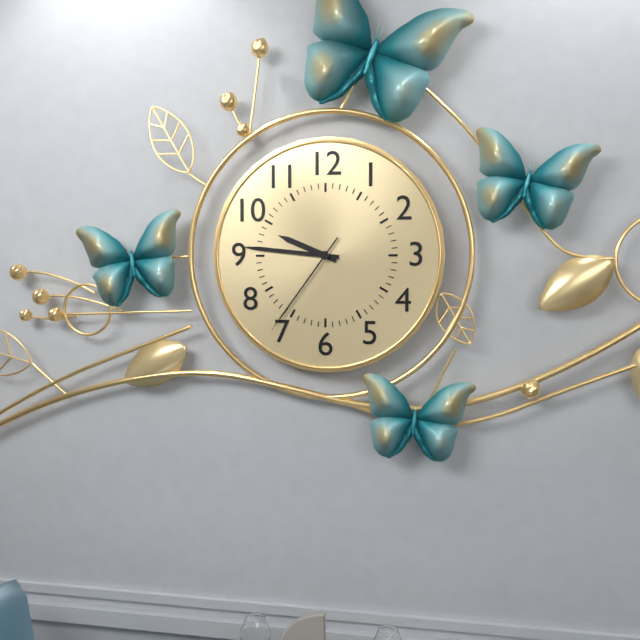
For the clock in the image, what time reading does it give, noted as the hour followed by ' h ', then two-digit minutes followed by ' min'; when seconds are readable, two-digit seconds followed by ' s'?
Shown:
9 h 46 min 36 s
